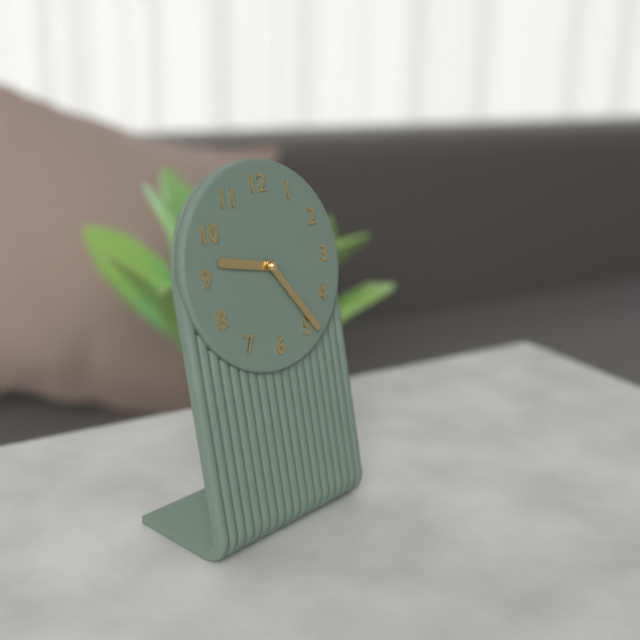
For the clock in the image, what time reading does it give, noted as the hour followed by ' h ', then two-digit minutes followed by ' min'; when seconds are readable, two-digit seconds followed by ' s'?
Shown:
9 h 24 min
